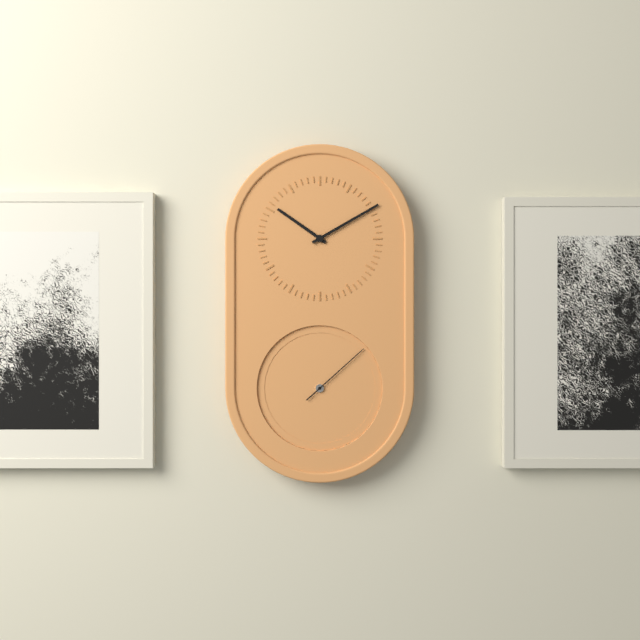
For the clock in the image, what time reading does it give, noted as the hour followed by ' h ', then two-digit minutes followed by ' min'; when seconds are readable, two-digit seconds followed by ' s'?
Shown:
10 h 10 min 08 s
